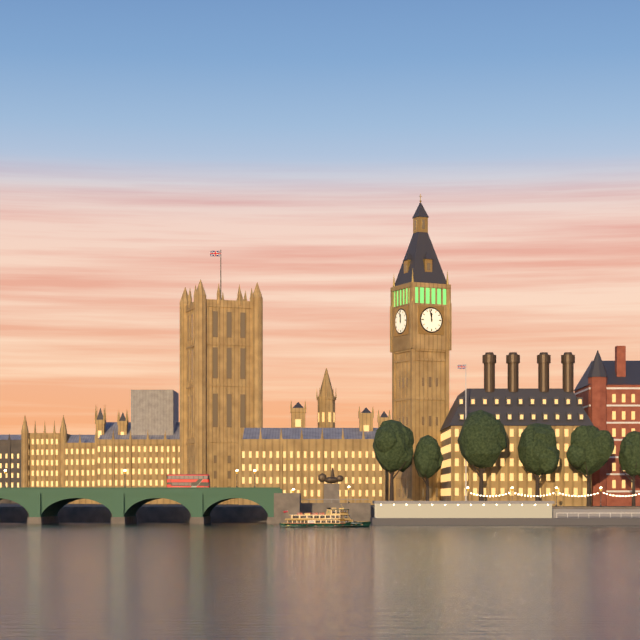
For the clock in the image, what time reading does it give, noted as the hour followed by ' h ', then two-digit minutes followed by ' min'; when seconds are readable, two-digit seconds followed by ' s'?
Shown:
11 h 58 min
